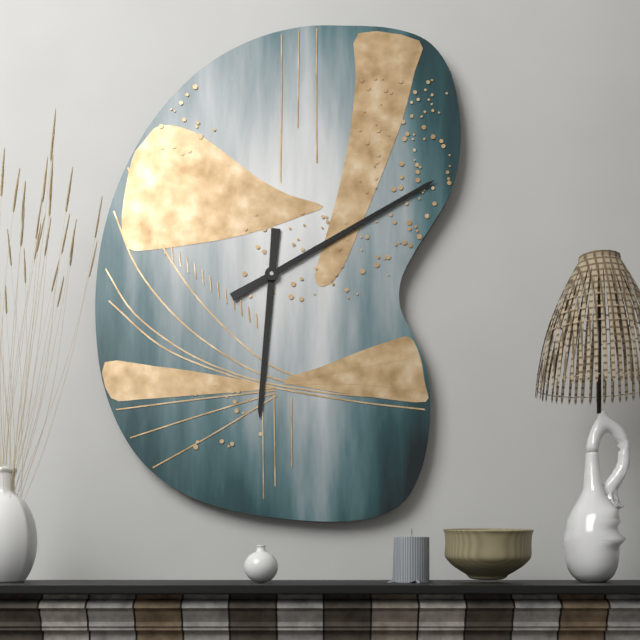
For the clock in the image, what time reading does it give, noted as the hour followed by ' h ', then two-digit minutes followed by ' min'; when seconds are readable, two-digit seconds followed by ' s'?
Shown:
6 h 10 min
